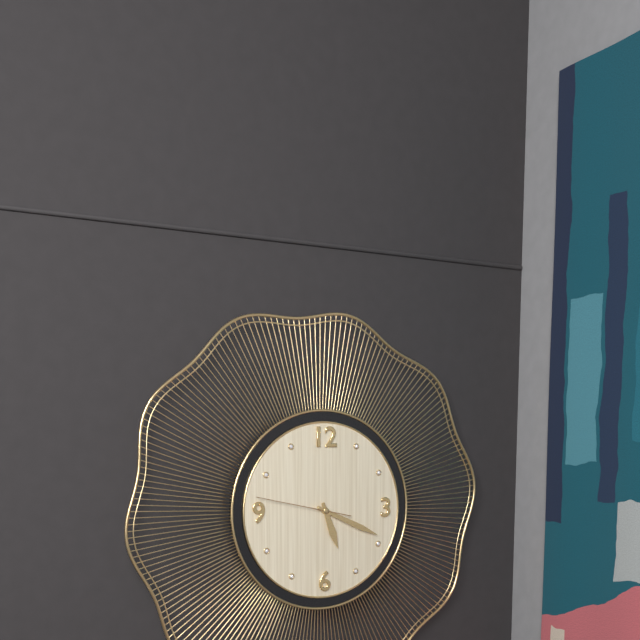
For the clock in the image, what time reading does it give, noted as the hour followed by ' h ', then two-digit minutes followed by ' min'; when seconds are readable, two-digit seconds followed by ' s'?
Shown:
5 h 19 min 47 s
